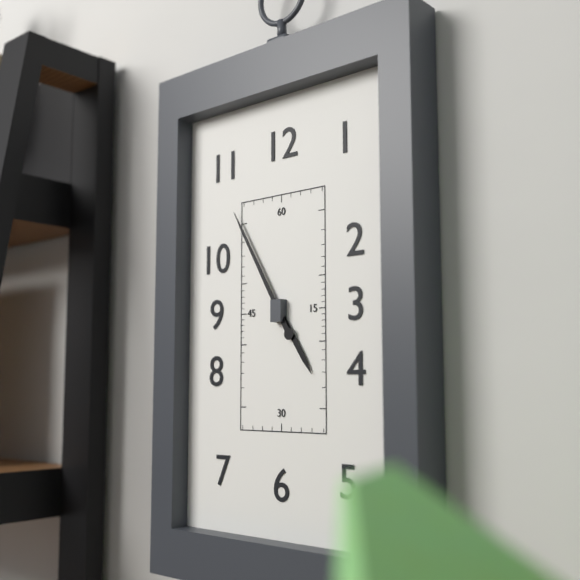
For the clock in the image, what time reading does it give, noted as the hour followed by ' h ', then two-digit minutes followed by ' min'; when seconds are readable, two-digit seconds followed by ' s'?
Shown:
4 h 55 min
